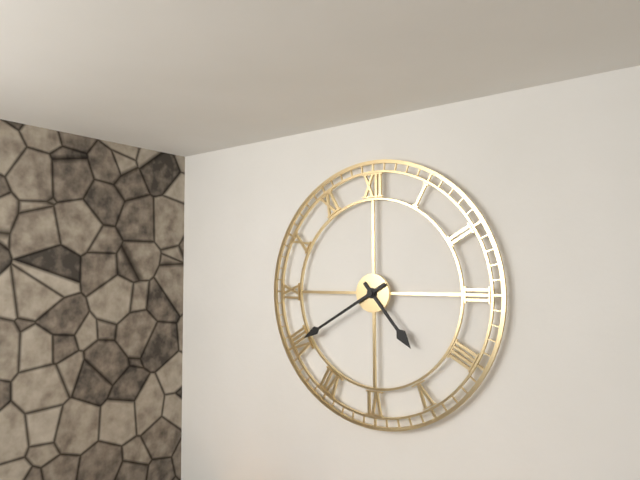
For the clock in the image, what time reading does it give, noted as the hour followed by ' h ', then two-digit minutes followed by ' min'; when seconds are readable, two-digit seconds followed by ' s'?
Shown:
4 h 40 min
